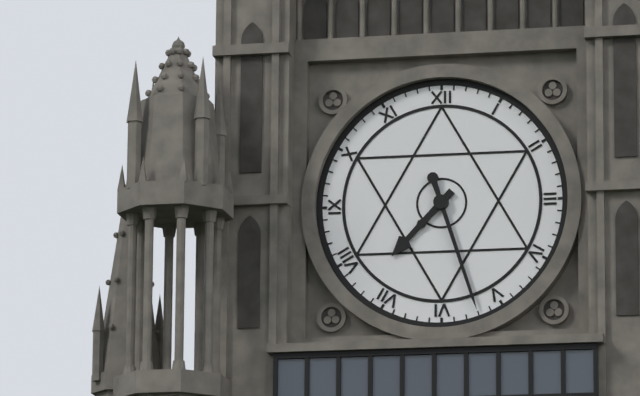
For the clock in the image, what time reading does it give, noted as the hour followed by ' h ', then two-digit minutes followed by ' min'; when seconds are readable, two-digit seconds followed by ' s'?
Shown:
7 h 27 min
